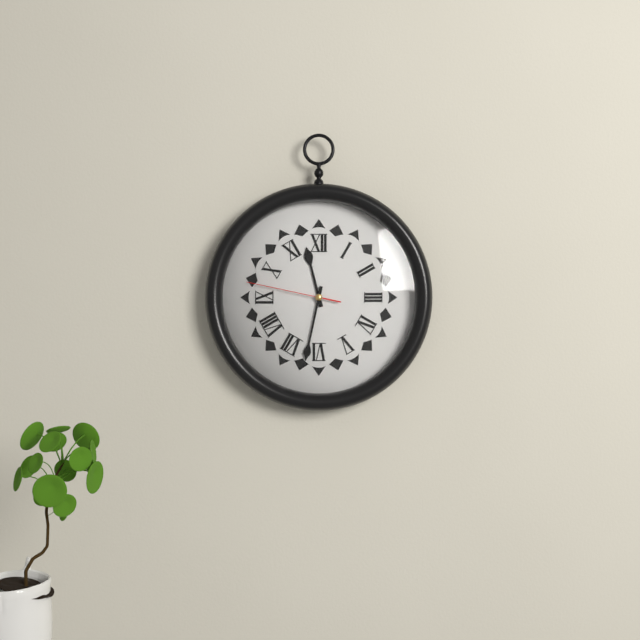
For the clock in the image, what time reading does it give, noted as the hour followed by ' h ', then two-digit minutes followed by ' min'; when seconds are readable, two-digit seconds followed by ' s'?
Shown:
11 h 32 min 47 s
